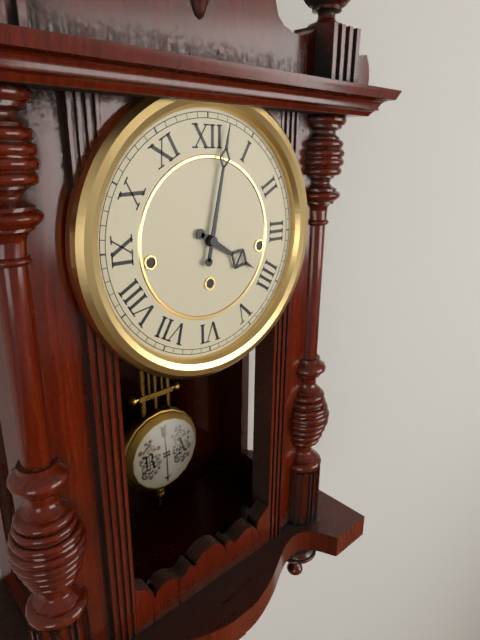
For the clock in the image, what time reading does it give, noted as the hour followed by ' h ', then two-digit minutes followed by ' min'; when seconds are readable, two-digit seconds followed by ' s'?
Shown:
4 h 02 min
